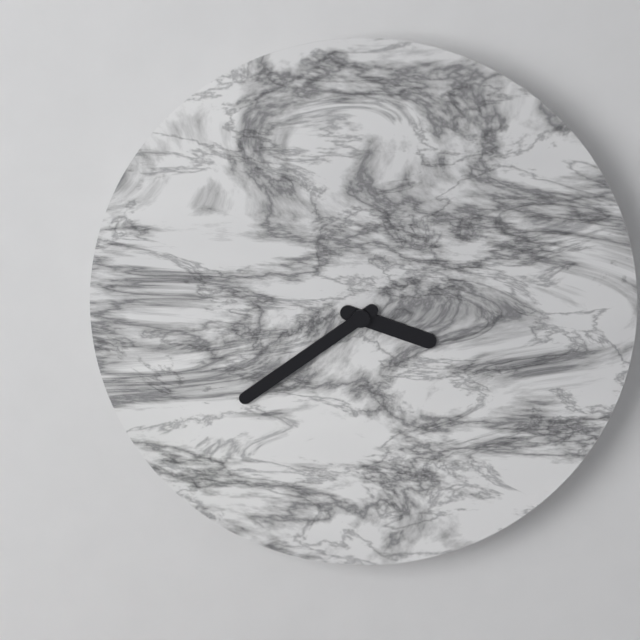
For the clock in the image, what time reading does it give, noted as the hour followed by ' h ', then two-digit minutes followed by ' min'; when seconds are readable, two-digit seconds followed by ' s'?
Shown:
3 h 39 min
